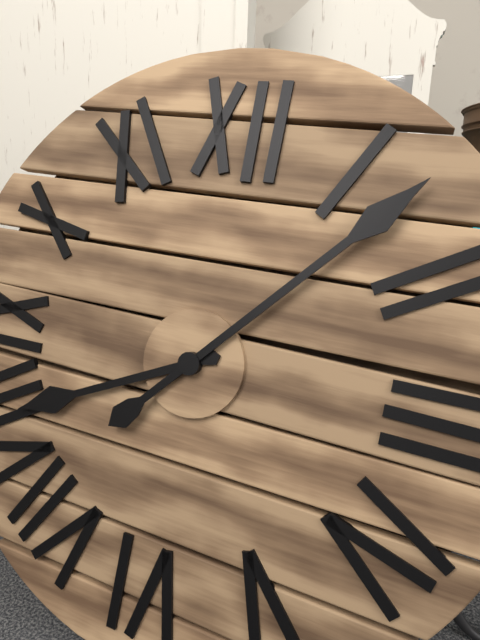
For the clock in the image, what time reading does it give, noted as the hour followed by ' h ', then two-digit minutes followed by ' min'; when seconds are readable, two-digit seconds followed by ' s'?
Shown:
8 h 07 min
